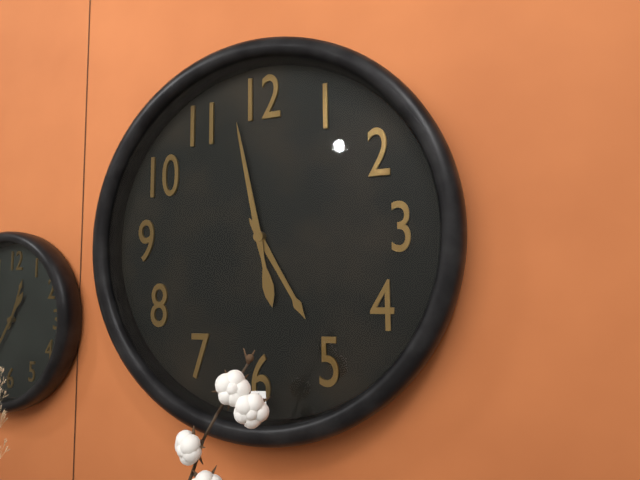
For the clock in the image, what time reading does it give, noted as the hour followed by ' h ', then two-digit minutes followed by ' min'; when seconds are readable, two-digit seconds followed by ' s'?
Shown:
4 h 58 min
